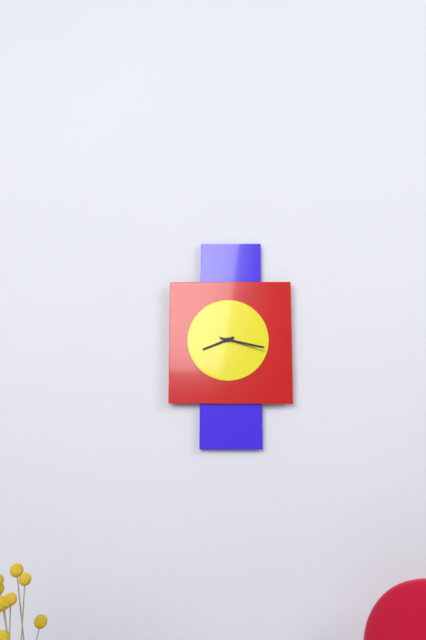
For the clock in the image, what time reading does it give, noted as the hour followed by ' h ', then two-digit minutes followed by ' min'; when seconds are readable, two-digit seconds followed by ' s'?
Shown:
8 h 17 min
